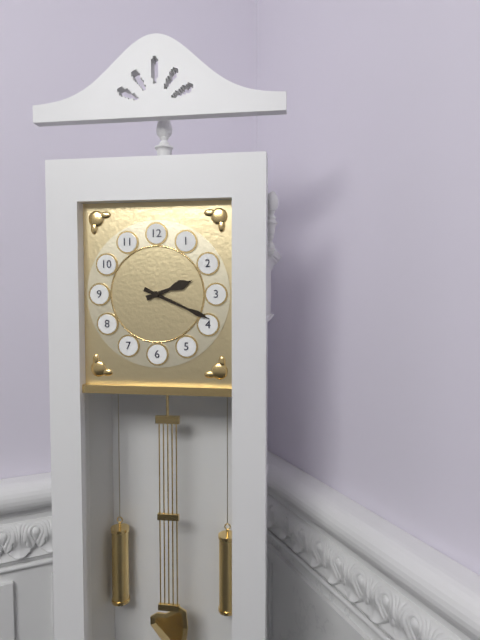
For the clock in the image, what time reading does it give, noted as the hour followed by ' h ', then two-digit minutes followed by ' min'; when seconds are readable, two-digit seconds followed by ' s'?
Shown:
2 h 19 min
